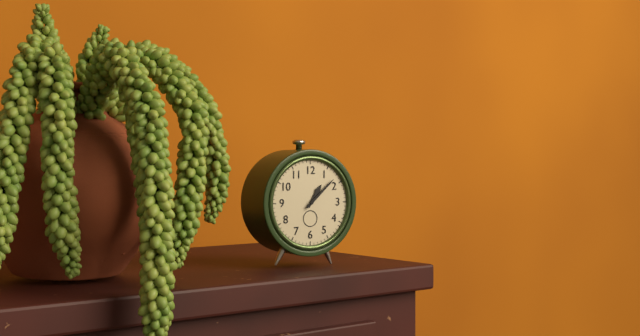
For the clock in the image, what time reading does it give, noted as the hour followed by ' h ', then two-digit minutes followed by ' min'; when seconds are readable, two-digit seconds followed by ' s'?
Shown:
1 h 08 min
